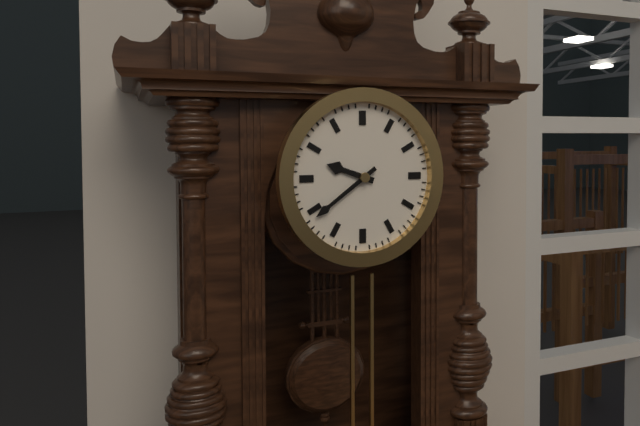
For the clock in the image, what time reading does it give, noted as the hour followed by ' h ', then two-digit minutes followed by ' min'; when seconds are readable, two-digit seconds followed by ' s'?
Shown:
9 h 39 min
